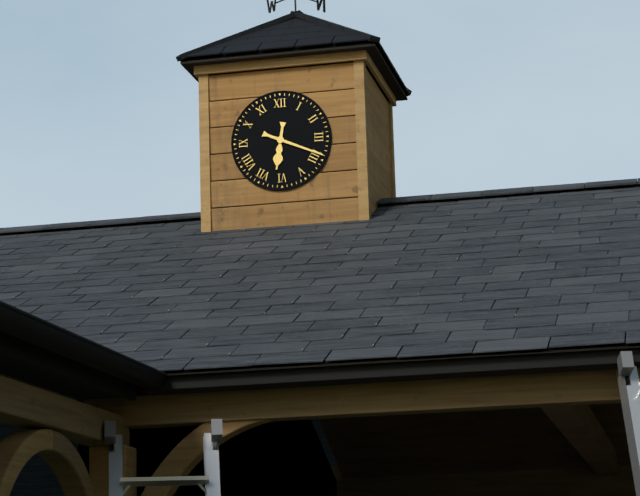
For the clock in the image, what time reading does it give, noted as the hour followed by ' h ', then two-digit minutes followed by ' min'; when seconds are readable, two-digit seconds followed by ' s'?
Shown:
6 h 19 min
